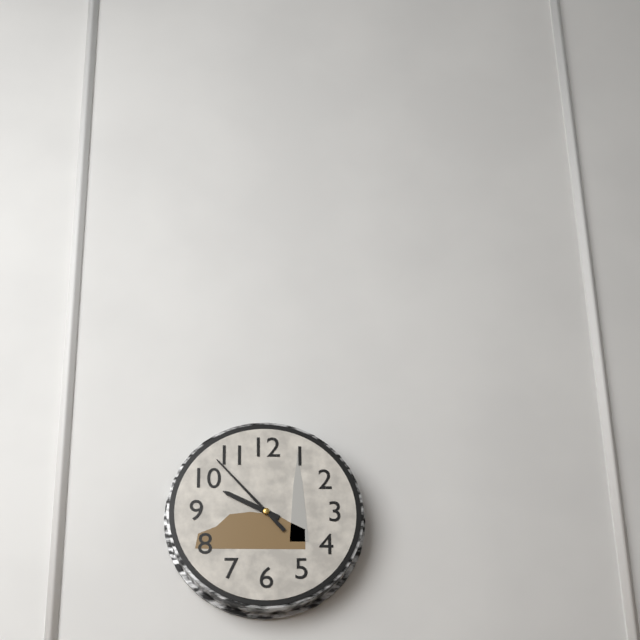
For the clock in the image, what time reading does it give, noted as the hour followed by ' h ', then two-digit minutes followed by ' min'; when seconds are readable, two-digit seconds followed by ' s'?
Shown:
9 h 53 min
